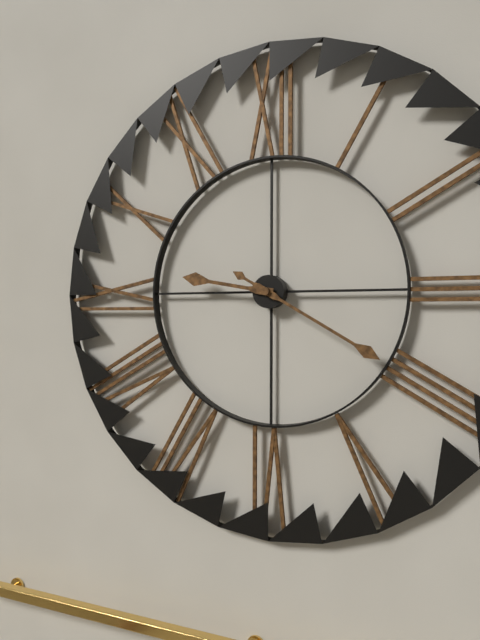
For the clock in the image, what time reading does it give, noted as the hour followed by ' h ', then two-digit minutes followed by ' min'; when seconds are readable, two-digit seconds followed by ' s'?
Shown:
9 h 20 min
